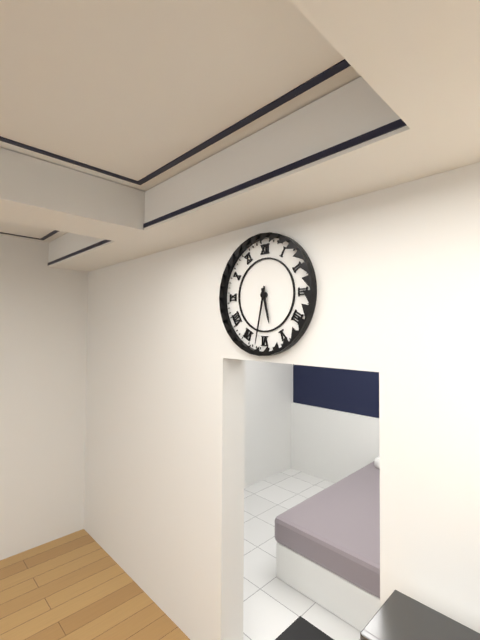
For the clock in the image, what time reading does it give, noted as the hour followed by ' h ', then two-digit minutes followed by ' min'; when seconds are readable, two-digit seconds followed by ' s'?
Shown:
5 h 32 min
